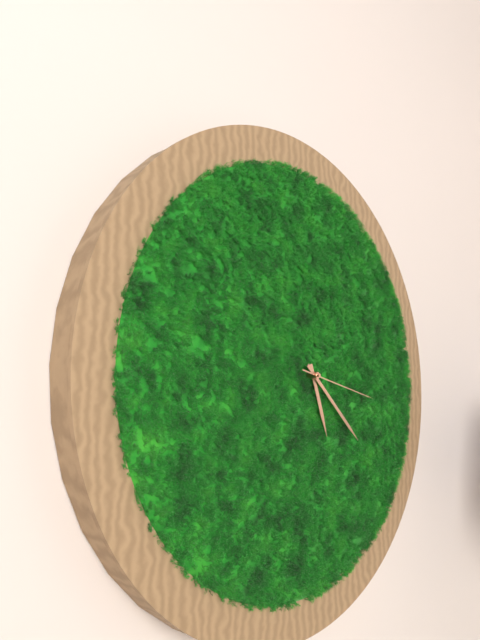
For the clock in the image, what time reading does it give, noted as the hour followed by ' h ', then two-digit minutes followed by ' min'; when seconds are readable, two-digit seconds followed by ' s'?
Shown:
5 h 22 min 17 s
